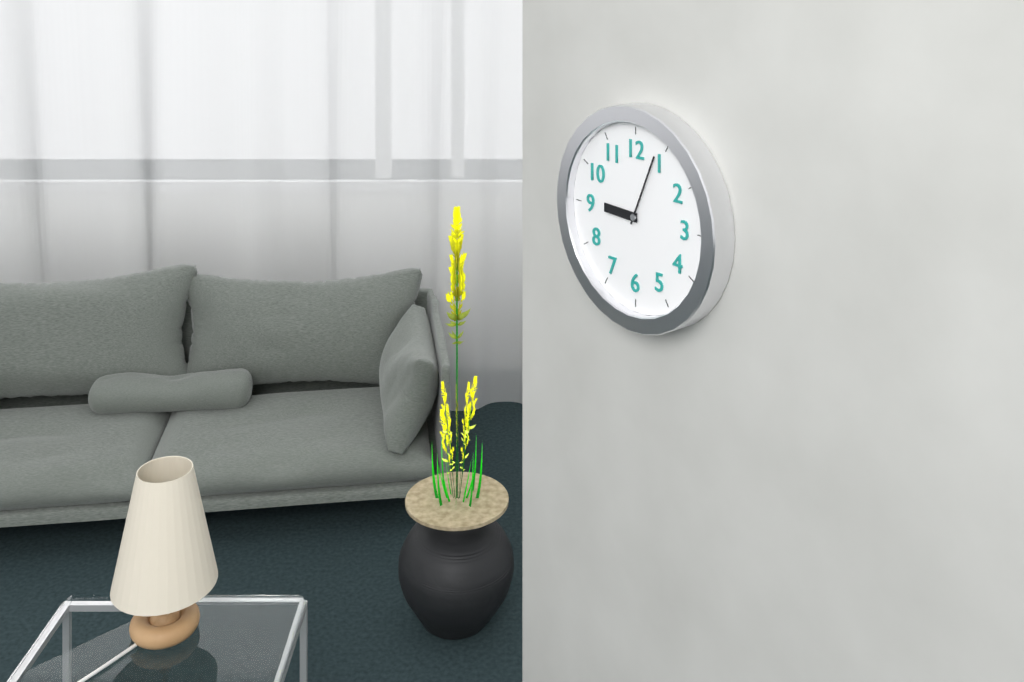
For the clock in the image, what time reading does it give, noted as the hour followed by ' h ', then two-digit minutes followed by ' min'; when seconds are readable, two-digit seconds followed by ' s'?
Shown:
9 h 04 min
